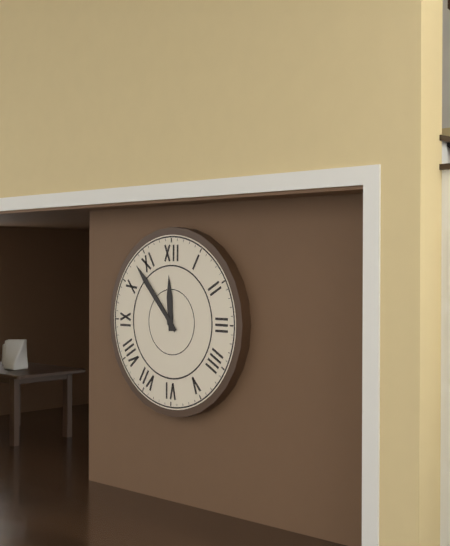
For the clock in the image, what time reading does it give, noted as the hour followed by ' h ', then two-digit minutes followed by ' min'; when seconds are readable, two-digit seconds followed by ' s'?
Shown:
11 h 53 min
